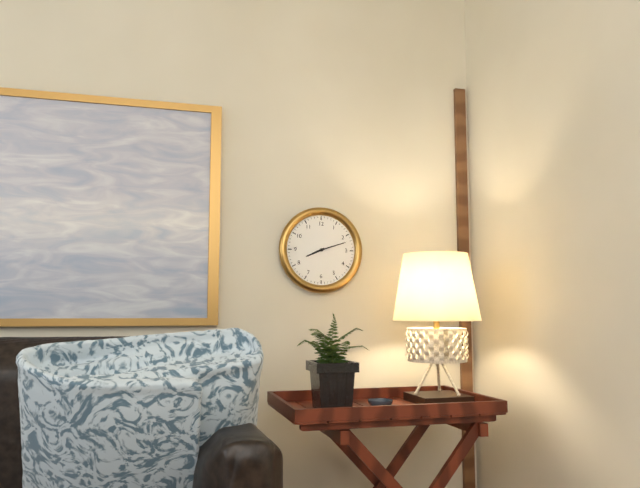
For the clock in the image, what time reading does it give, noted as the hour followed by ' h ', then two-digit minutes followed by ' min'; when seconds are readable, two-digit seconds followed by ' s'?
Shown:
8 h 12 min
